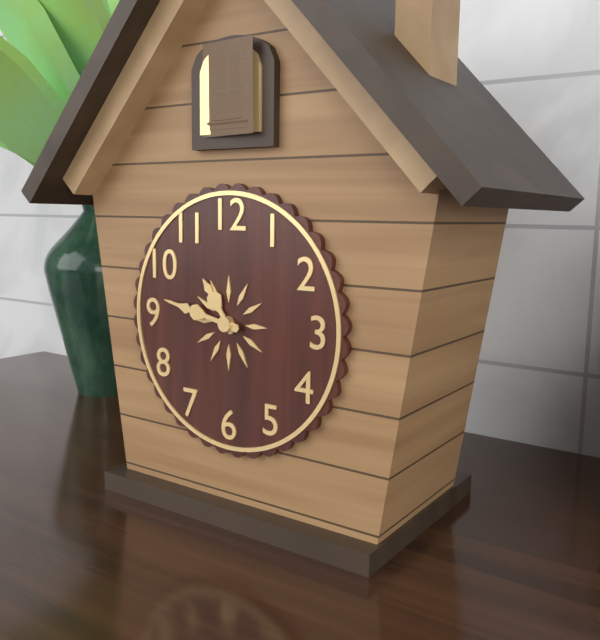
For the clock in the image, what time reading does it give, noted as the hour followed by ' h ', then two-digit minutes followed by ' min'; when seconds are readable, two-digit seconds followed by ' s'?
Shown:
10 h 47 min
